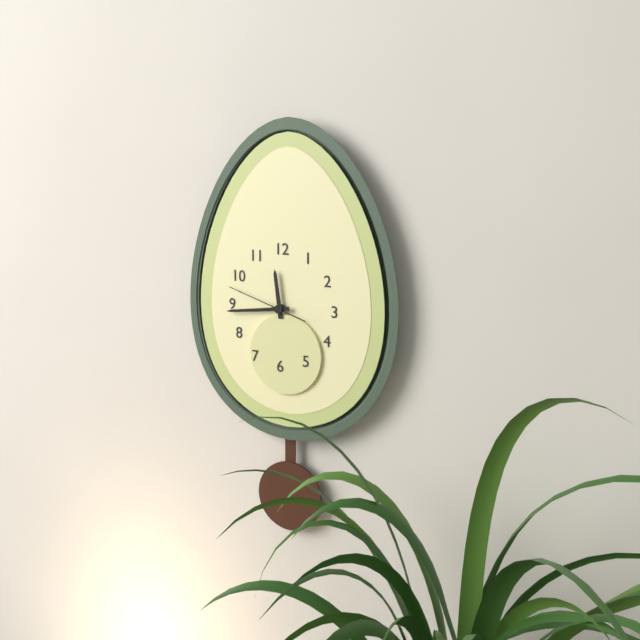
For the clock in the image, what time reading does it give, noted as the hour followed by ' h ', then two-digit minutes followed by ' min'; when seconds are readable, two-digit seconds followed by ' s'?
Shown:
11 h 44 min 48 s
